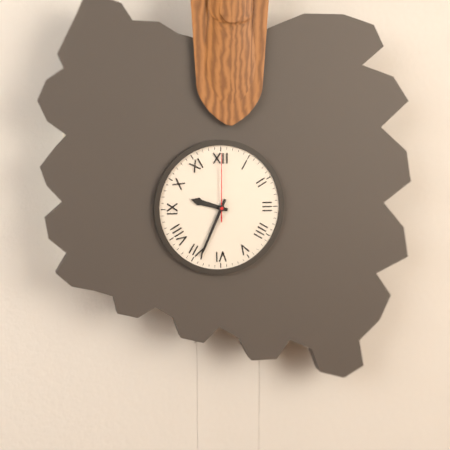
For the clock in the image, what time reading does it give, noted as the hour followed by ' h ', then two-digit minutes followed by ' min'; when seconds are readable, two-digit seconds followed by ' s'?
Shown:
9 h 34 min 00 s
